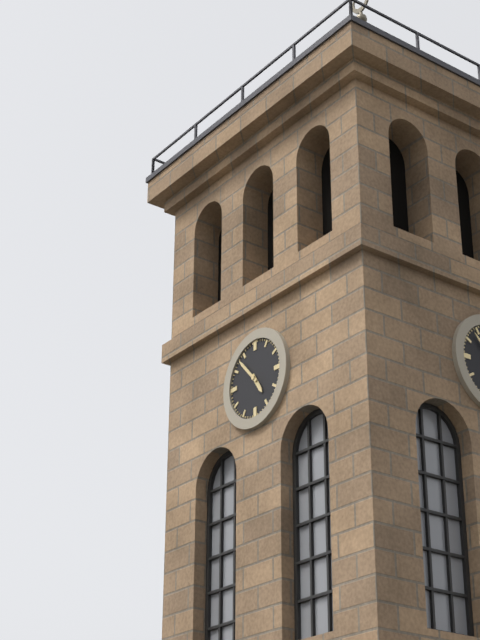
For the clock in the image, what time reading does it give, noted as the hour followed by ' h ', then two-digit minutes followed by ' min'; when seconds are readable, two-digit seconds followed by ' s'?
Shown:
4 h 53 min
